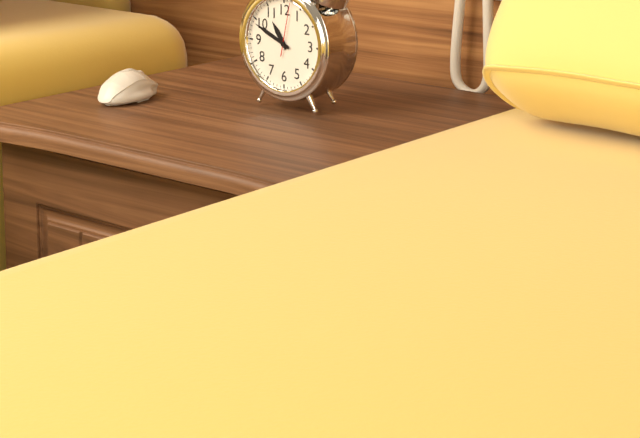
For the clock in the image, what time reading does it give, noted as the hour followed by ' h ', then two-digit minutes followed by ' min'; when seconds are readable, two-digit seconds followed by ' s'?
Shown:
10 h 49 min 02 s
